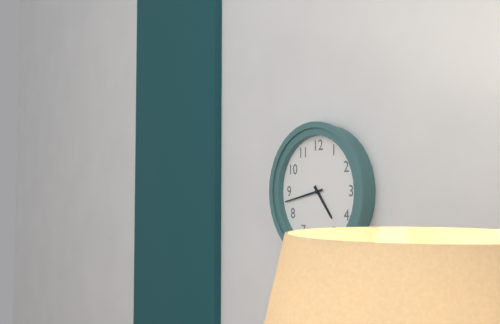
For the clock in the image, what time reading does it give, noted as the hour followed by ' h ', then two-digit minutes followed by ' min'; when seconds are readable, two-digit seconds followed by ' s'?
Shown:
4 h 43 min
